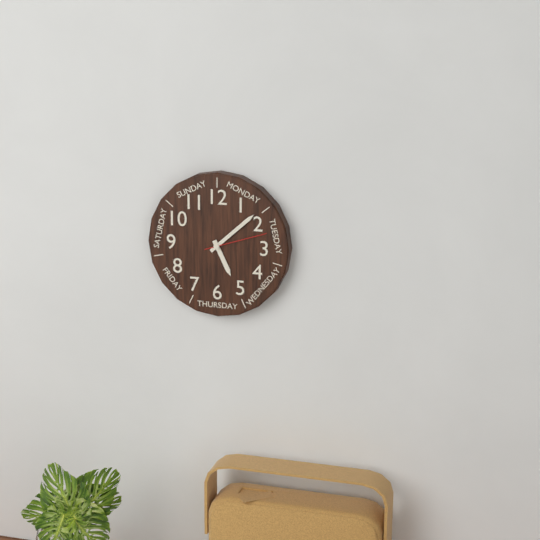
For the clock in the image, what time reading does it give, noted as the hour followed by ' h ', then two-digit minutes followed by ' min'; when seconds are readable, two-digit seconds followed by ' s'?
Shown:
5 h 08 min 12 s
